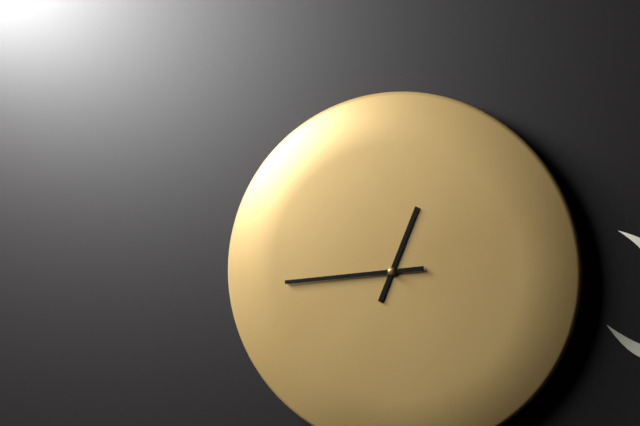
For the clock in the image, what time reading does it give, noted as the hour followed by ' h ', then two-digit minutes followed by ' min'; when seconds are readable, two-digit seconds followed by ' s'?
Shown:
12 h 44 min
